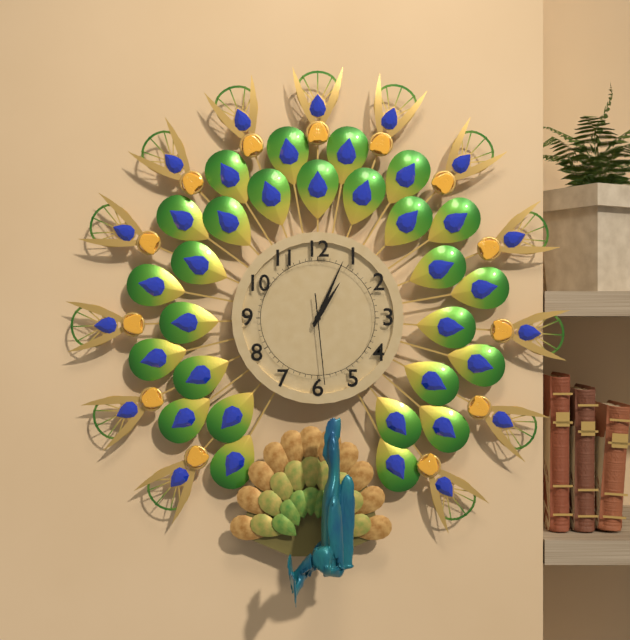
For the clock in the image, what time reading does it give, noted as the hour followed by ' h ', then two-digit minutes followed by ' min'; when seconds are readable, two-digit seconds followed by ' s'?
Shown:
1 h 04 min 29 s
